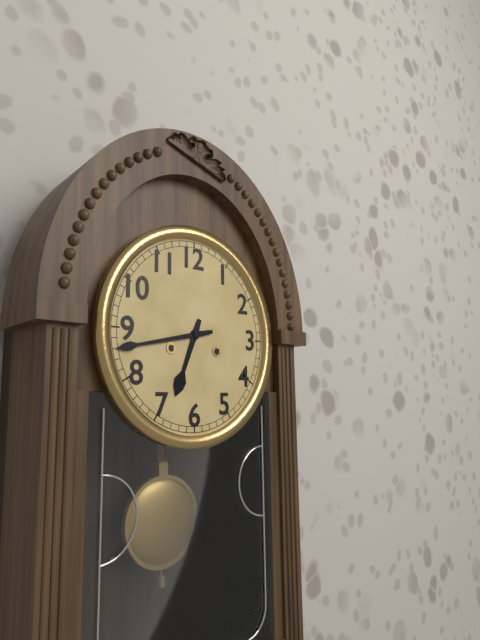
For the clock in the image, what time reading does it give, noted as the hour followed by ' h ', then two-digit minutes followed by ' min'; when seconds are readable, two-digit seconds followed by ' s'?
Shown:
6 h 43 min
